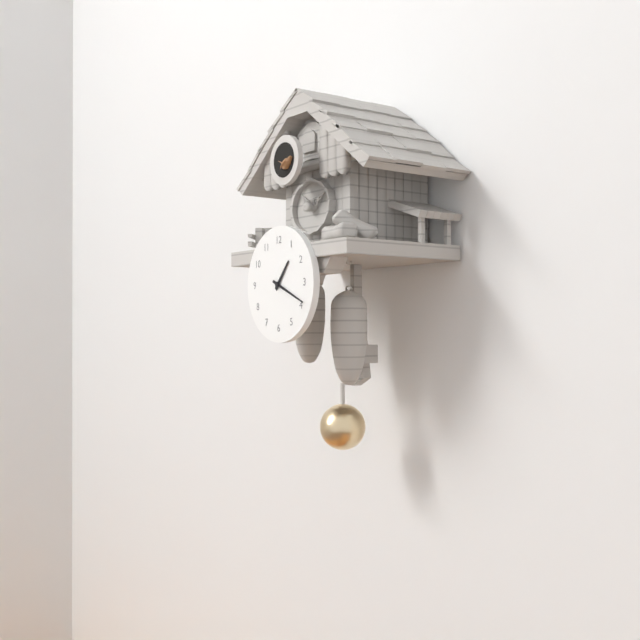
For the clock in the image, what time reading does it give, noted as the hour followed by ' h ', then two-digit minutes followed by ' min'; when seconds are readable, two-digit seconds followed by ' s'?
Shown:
1 h 19 min
